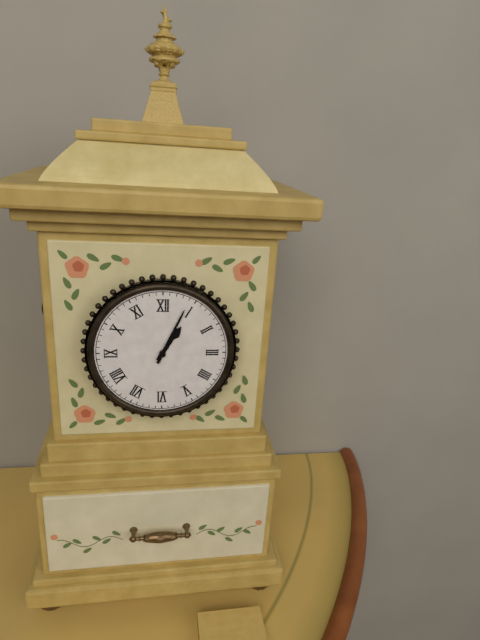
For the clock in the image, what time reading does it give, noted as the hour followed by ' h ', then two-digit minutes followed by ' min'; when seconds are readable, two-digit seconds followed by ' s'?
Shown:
1 h 04 min
